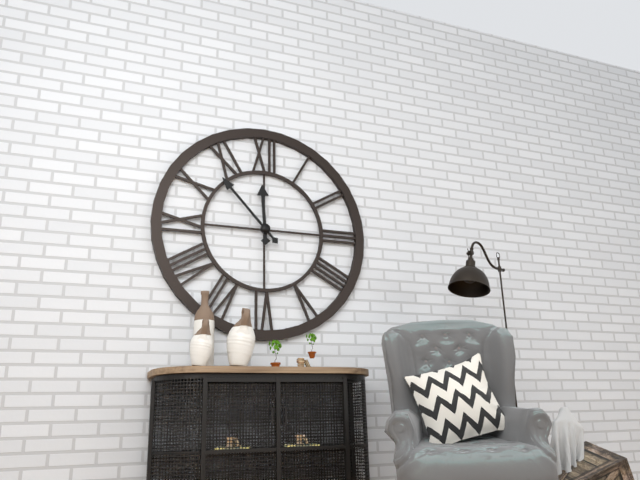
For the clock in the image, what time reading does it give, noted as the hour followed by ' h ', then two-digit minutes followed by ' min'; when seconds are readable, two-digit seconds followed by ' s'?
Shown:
11 h 53 min
